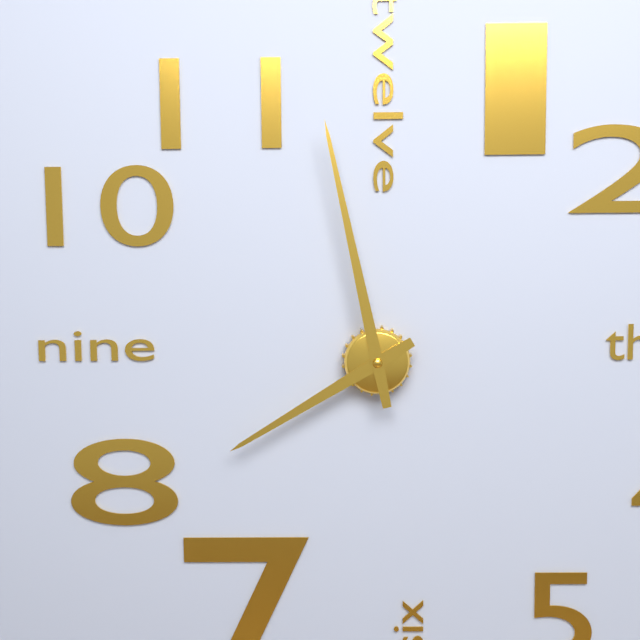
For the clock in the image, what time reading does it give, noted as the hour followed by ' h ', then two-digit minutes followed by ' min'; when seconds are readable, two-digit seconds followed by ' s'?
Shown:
7 h 58 min
